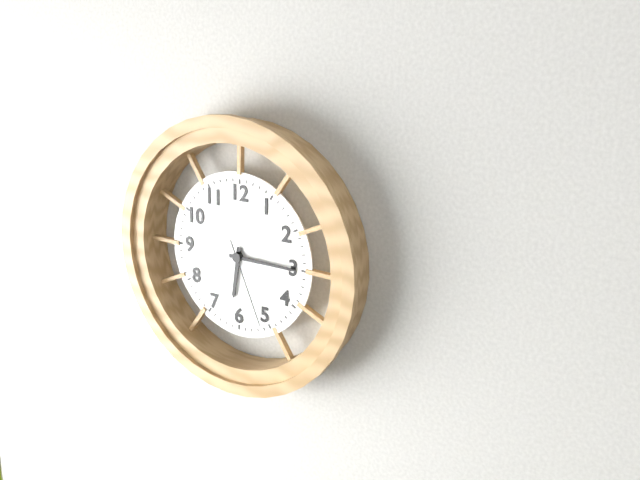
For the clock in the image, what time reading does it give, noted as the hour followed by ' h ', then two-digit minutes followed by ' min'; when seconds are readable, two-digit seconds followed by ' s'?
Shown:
6 h 15 min 26 s
